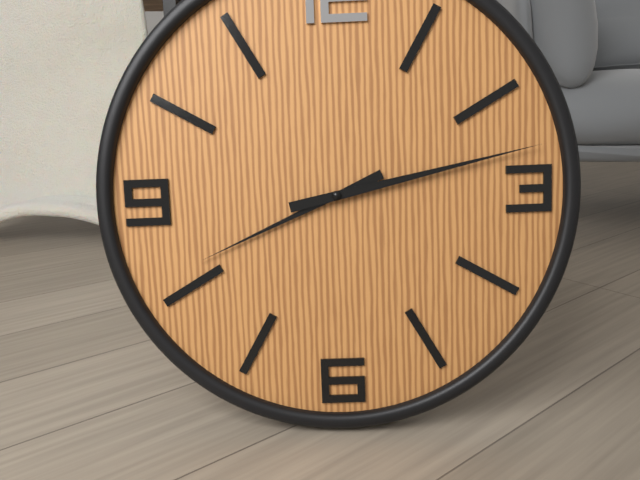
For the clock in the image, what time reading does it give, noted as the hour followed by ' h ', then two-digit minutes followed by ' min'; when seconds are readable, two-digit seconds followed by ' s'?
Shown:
8 h 13 min
